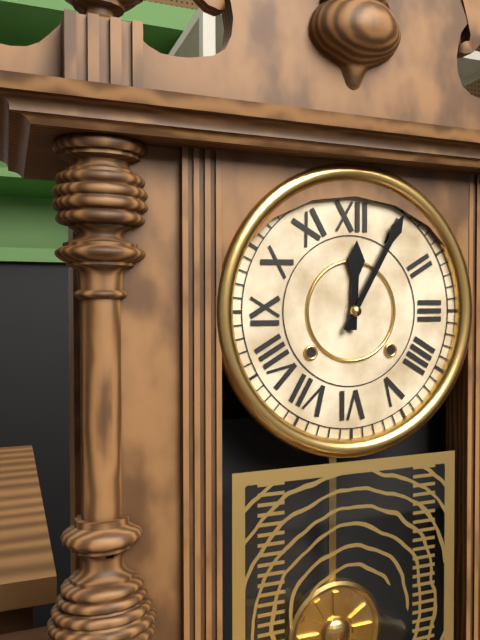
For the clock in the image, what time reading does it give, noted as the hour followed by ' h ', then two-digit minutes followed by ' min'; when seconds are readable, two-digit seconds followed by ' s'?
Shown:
12 h 05 min
